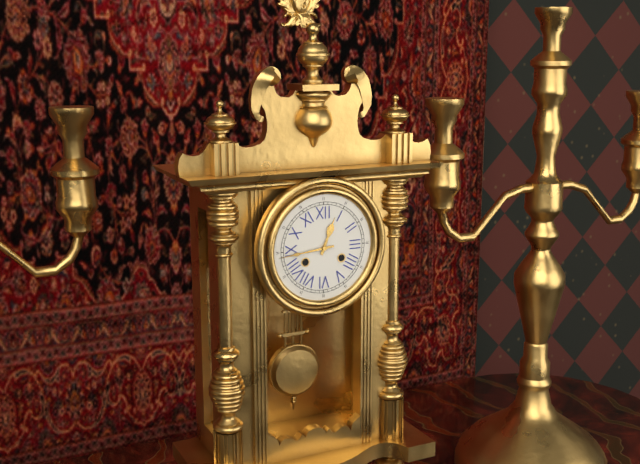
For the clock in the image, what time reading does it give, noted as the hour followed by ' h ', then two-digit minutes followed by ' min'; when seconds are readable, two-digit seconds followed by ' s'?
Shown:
12 h 44 min
